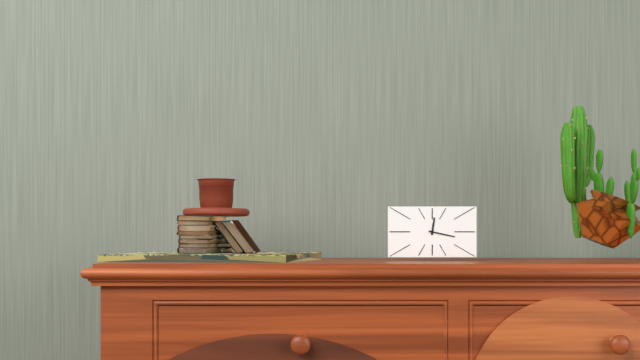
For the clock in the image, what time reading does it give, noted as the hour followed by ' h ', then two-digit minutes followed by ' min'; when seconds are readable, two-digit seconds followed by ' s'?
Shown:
12 h 17 min
